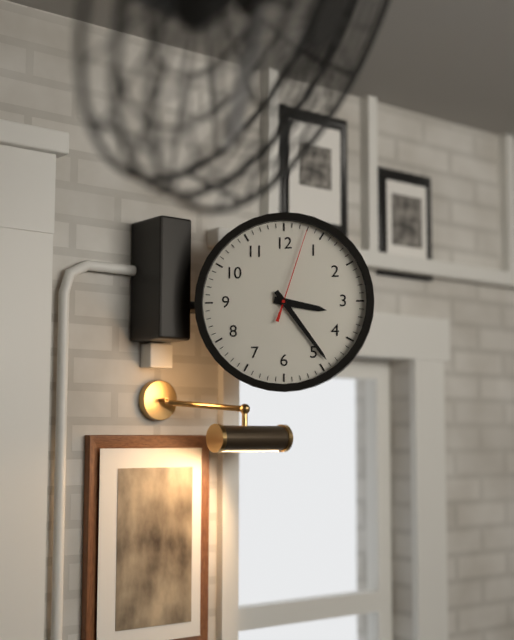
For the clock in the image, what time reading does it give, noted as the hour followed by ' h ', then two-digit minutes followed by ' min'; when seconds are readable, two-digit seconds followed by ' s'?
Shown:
3 h 24 min 03 s
